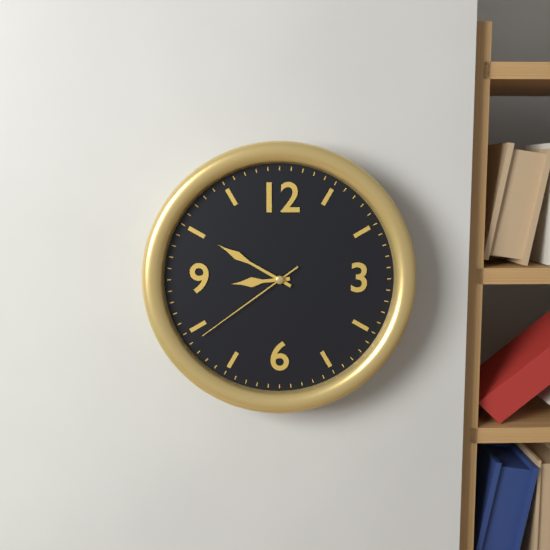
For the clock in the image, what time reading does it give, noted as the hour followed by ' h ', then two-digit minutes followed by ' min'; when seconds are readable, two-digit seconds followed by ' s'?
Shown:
8 h 50 min 39 s
